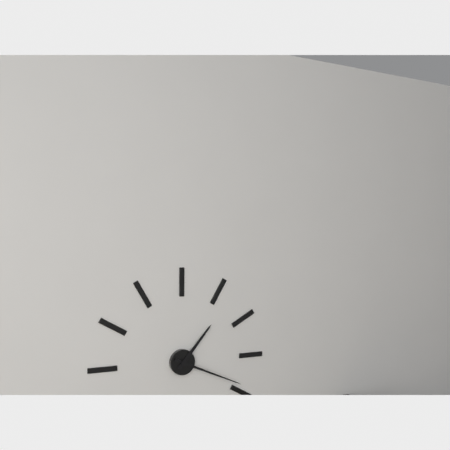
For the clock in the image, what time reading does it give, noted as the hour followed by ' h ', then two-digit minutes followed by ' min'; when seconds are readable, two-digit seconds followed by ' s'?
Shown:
1 h 19 min
